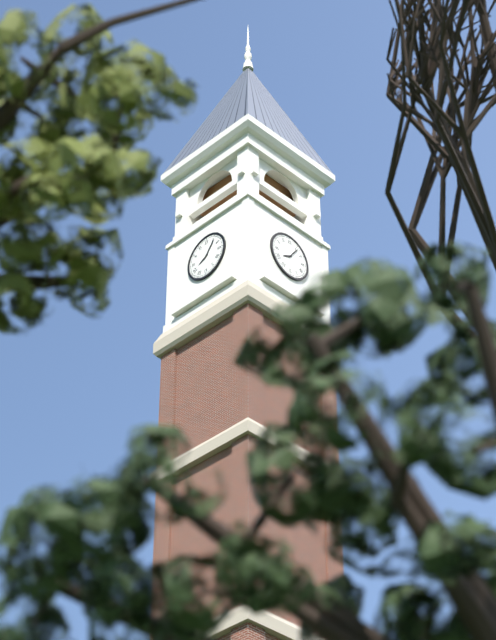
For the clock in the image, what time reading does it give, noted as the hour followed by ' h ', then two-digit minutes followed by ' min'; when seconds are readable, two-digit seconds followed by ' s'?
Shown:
8 h 06 min
